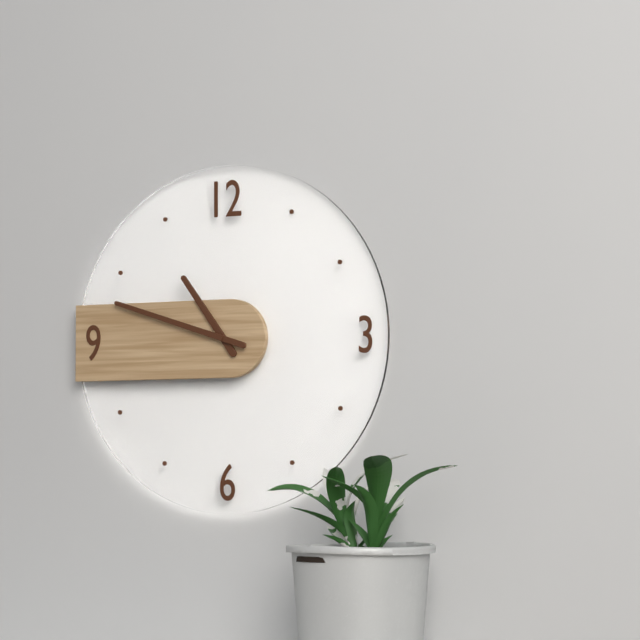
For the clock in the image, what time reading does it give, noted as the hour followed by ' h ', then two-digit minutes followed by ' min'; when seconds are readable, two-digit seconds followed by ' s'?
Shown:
10 h 48 min
